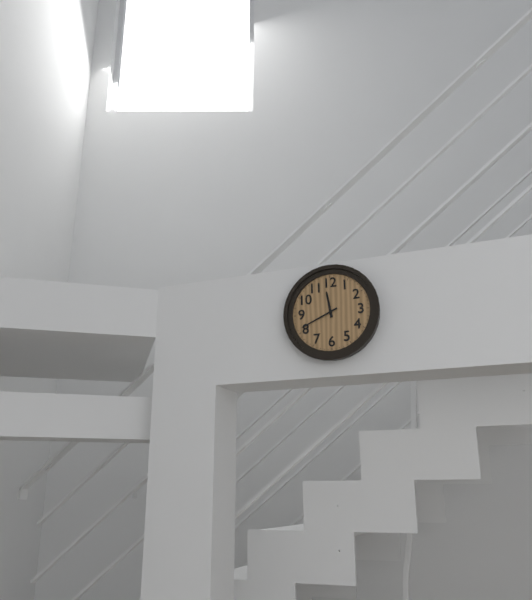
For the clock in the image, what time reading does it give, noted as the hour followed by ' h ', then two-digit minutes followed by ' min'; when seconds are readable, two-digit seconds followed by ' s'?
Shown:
11 h 41 min
